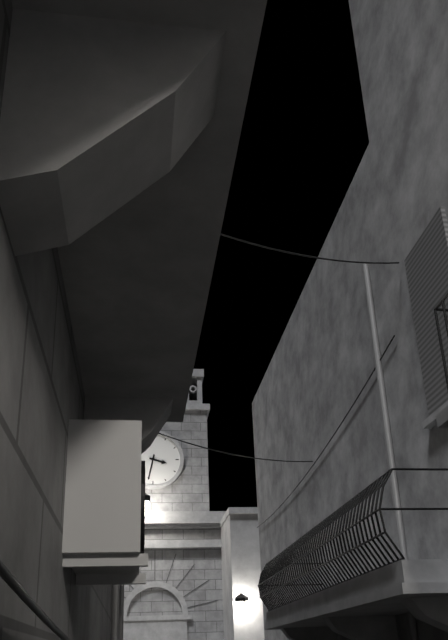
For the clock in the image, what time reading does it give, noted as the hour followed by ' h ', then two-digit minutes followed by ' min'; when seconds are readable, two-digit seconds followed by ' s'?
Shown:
3 h 32 min
